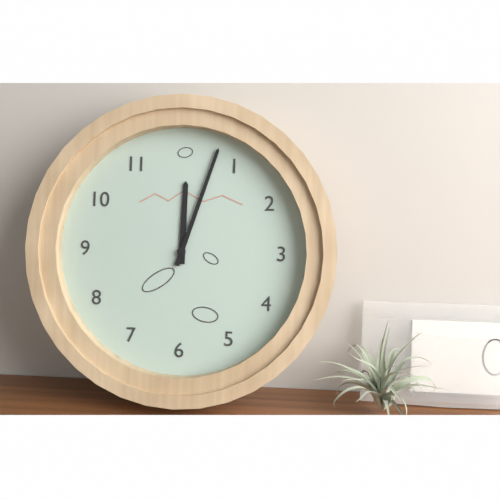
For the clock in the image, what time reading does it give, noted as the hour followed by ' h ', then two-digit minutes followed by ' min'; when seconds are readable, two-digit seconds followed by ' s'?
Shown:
12 h 03 min
